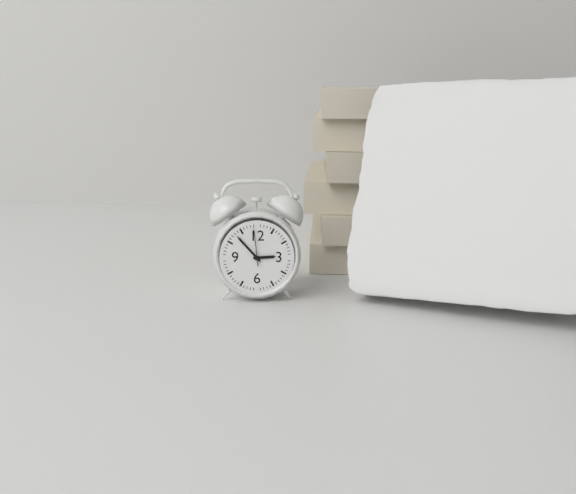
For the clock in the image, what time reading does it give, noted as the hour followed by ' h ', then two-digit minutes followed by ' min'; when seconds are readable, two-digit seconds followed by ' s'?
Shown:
2 h 53 min
